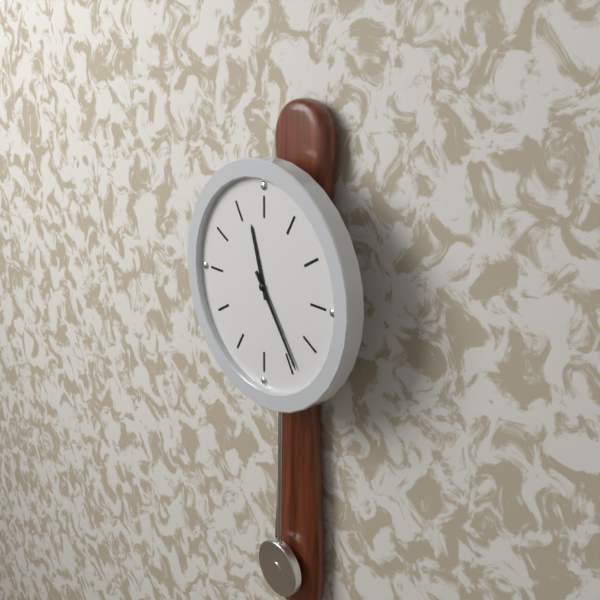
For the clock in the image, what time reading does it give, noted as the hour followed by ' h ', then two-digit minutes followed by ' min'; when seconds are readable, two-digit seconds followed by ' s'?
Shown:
11 h 24 min
